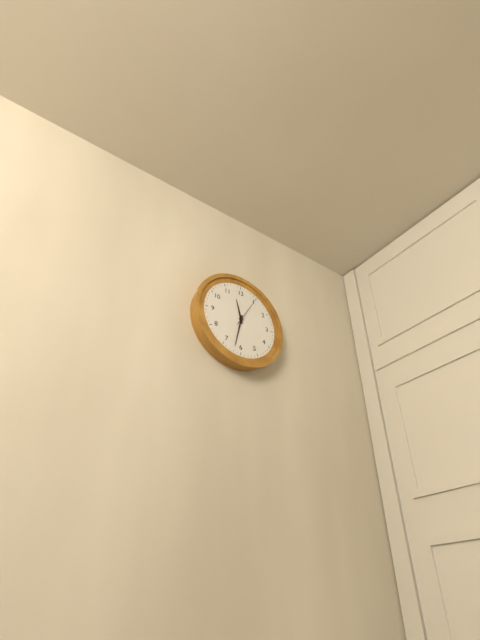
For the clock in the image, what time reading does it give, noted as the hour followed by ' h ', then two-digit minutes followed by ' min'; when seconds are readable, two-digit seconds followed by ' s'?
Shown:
11 h 32 min
